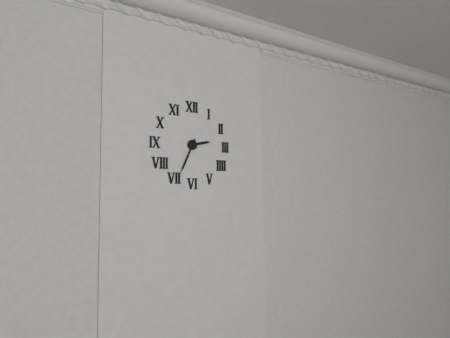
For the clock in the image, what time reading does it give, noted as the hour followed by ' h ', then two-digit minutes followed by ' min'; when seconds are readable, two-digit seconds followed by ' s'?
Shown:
2 h 34 min
